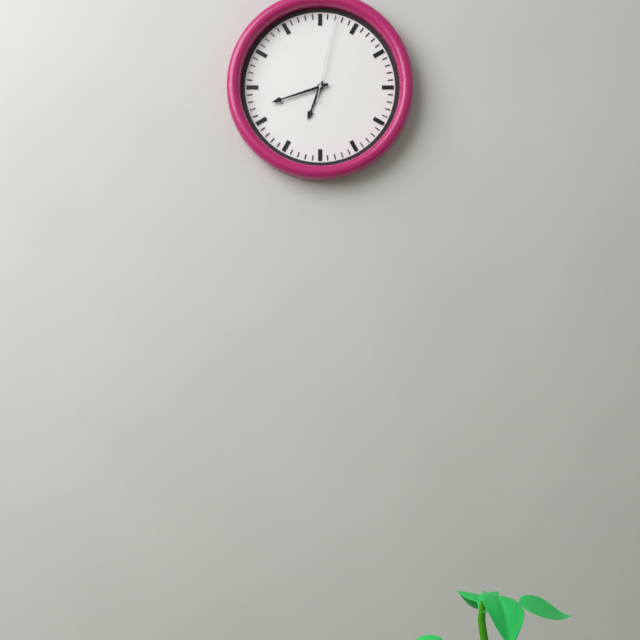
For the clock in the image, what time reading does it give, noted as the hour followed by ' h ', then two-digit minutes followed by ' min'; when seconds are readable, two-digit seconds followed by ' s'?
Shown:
6 h 42 min 02 s
